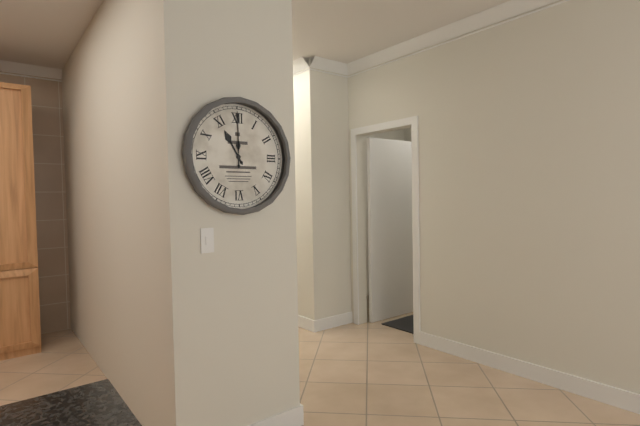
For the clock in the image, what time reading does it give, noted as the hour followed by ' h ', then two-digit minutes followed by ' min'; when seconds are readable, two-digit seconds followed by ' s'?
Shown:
11 h 00 min
